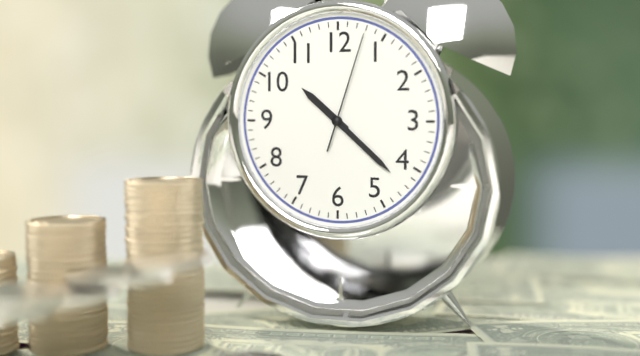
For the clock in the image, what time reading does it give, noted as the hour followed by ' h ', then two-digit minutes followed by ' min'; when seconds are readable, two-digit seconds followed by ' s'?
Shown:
10 h 22 min 03 s
